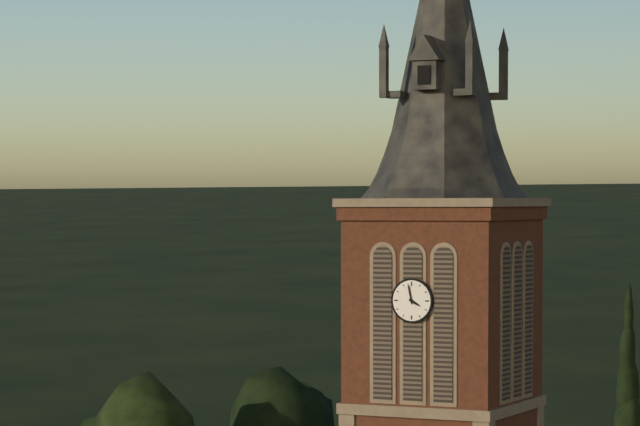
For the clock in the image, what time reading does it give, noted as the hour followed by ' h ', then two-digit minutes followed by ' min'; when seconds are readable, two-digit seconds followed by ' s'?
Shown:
3 h 58 min
